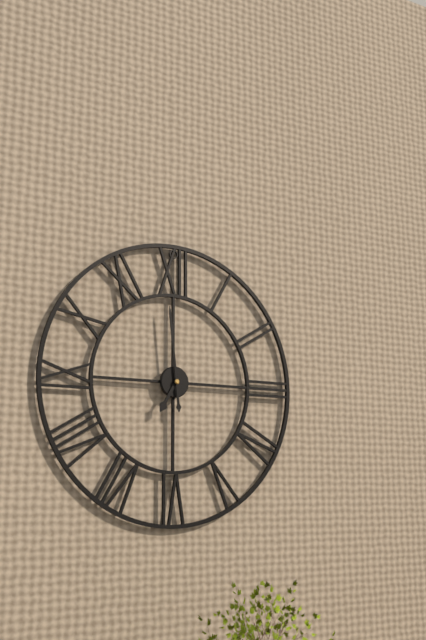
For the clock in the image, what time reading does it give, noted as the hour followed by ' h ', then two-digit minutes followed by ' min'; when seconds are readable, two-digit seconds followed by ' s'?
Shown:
6 h 59 min
